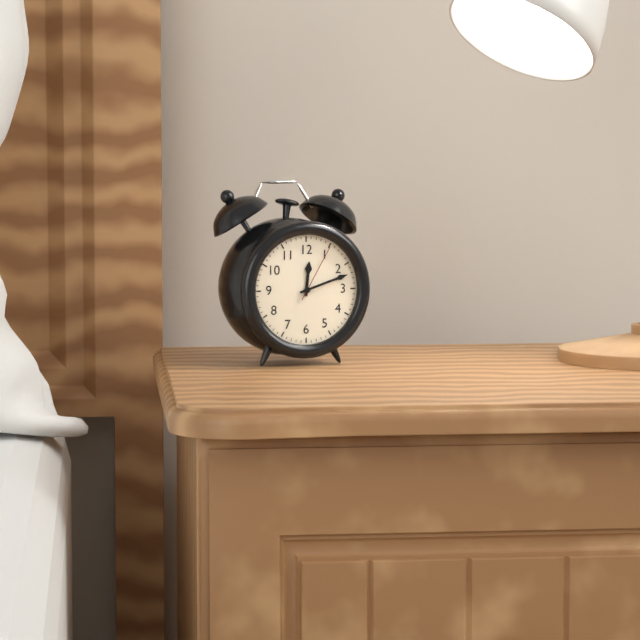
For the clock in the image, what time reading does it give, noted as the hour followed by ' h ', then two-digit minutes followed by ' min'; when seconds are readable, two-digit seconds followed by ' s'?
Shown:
12 h 12 min 05 s
